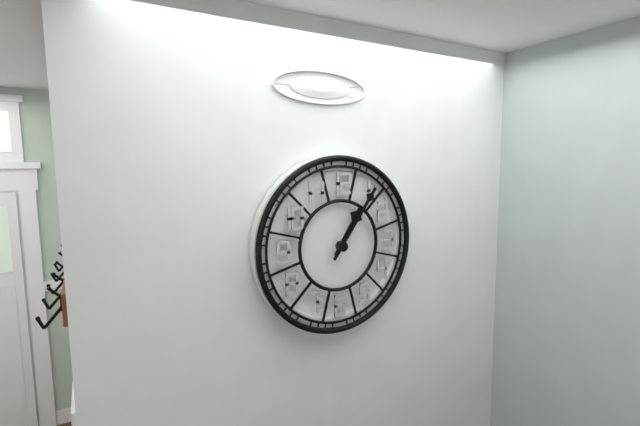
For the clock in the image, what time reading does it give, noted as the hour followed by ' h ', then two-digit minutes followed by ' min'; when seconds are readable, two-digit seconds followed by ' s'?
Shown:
1 h 06 min
